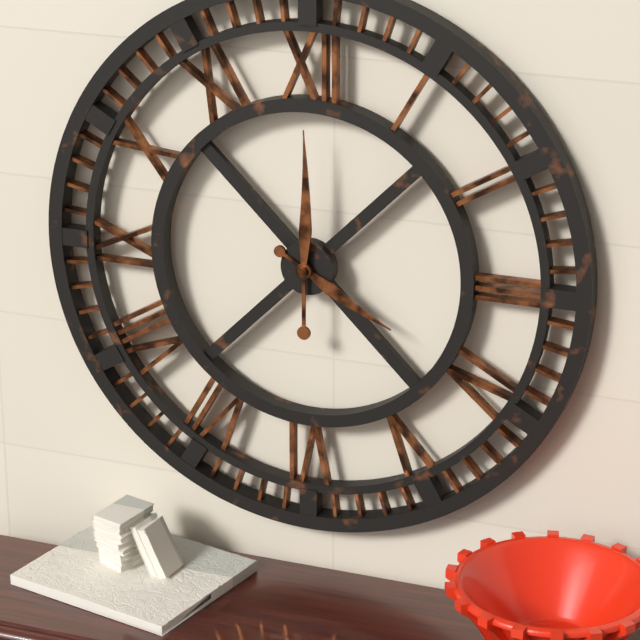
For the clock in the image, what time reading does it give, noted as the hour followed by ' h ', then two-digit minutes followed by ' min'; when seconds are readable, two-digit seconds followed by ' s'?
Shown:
4 h 00 min
